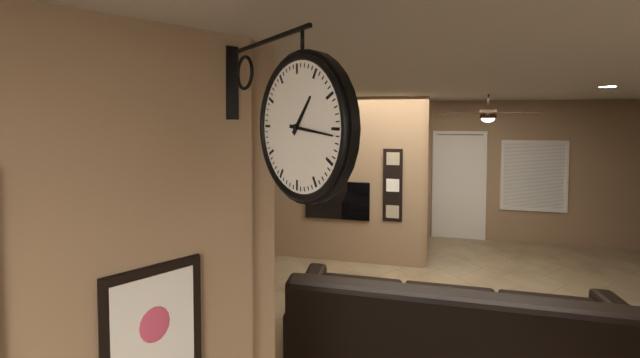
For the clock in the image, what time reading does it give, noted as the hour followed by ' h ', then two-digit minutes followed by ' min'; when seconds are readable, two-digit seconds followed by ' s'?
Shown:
1 h 16 min
